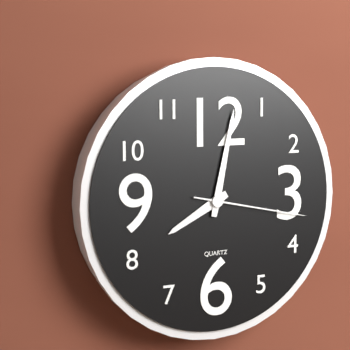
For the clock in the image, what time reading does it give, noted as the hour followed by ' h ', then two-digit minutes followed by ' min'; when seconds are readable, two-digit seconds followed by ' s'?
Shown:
8 h 02 min 17 s
